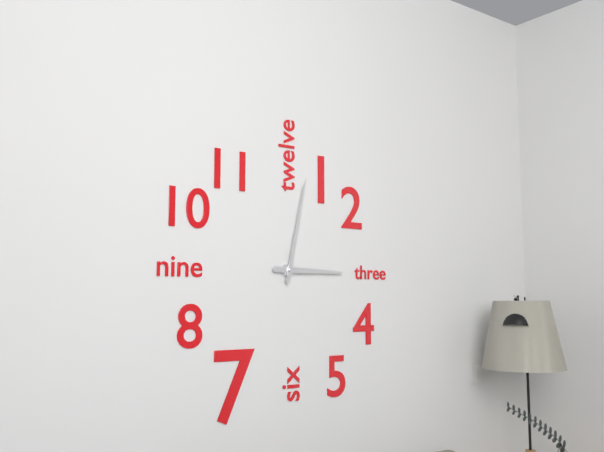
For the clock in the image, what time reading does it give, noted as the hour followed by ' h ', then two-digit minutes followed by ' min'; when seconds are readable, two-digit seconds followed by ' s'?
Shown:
3 h 02 min
